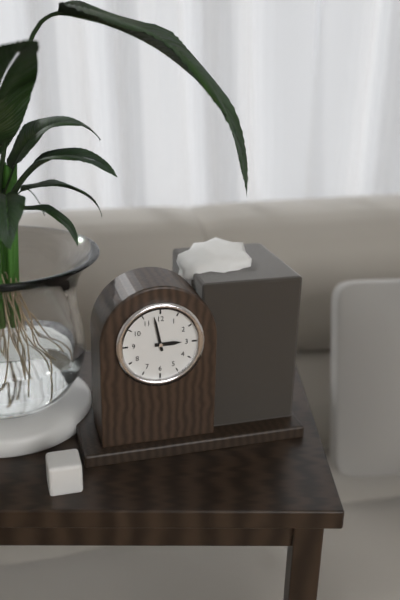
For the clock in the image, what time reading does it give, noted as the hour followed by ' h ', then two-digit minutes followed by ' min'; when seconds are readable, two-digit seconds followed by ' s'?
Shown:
2 h 58 min
